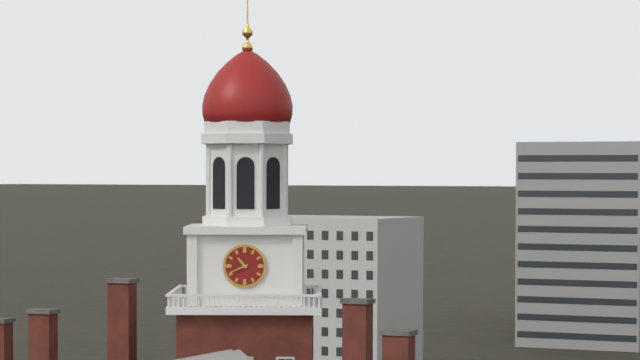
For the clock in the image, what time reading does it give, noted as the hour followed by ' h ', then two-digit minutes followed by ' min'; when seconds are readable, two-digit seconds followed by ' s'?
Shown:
10 h 41 min
